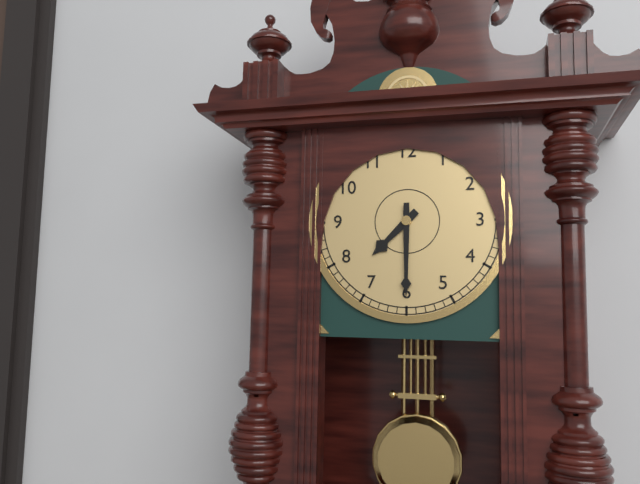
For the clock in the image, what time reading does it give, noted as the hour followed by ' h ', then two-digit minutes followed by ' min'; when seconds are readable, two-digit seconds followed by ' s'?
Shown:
7 h 30 min
